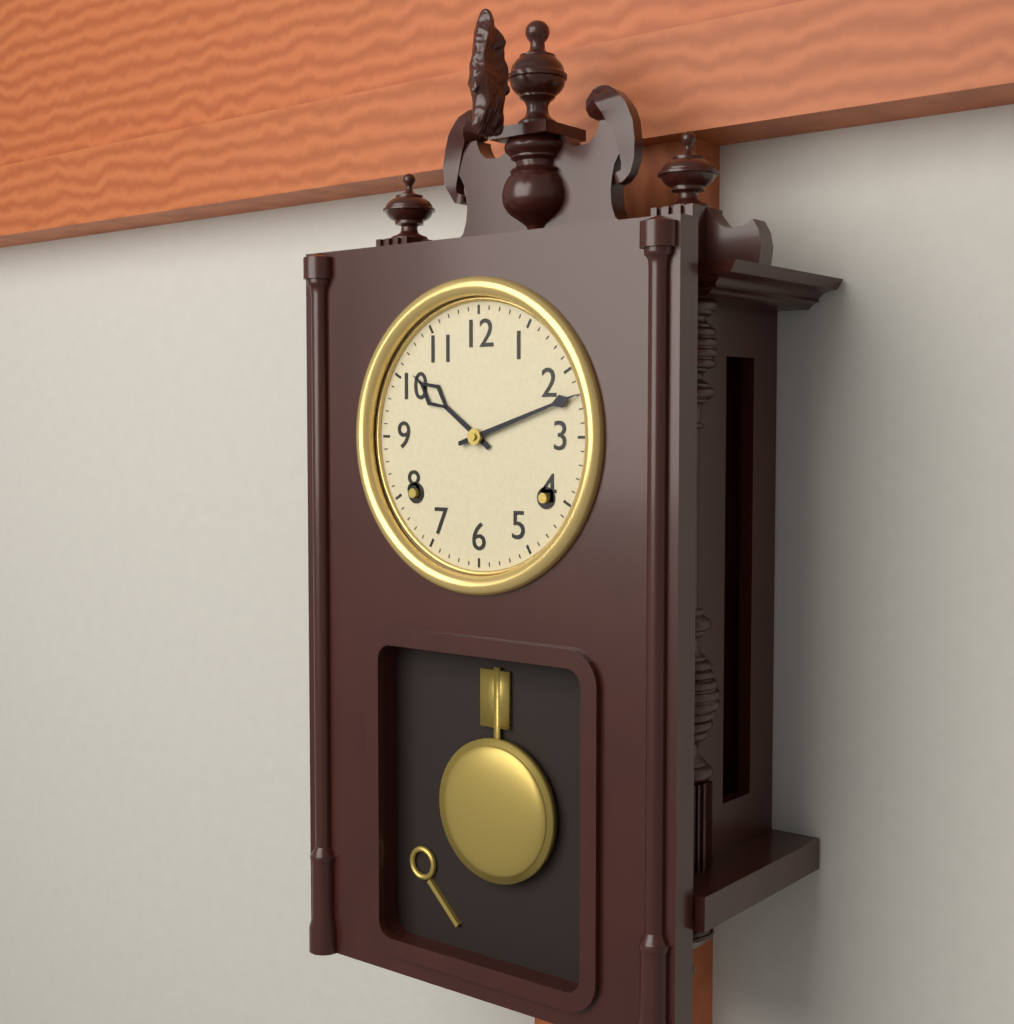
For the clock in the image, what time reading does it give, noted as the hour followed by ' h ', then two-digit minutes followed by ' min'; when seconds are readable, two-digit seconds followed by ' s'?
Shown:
10 h 12 min
